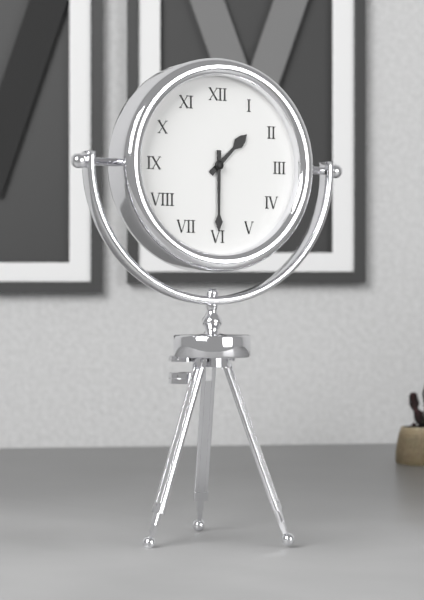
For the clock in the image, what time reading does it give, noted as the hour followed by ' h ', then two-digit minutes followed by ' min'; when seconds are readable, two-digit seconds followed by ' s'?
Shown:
1 h 30 min
